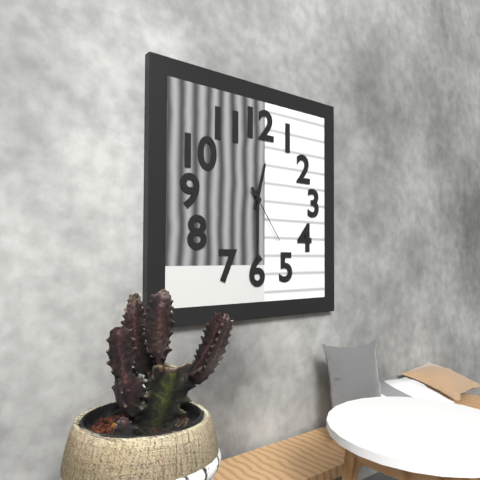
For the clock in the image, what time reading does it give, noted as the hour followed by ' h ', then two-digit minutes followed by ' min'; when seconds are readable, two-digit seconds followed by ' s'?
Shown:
12 h 30 min 24 s
